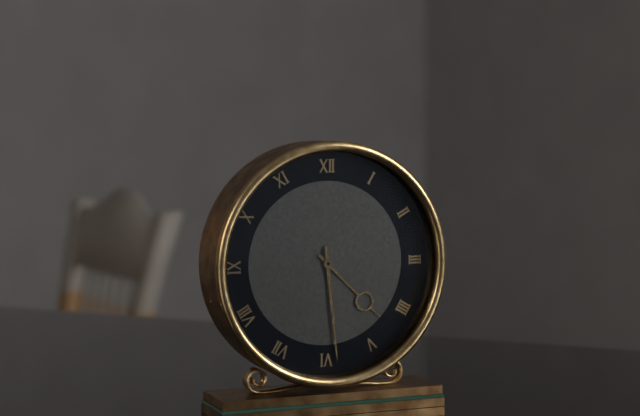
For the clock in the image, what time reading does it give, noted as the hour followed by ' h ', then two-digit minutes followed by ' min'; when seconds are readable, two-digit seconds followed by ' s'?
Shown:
4 h 29 min
